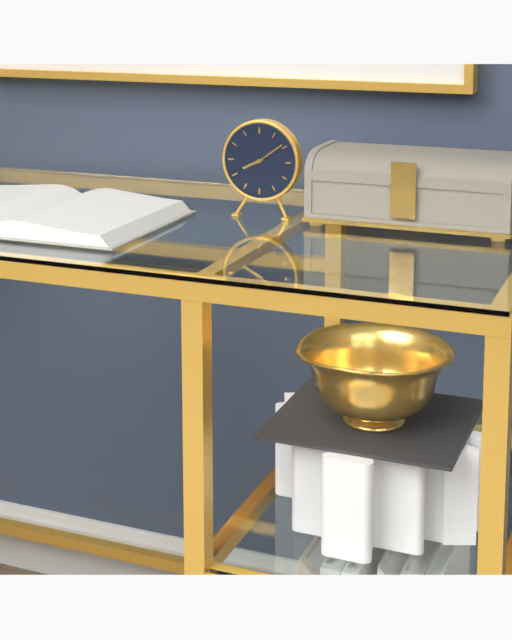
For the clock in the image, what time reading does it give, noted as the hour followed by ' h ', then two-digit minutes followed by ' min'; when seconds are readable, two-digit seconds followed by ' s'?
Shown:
8 h 09 min
